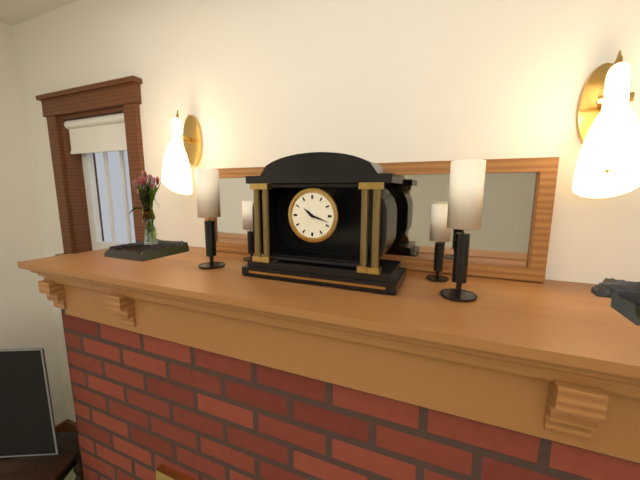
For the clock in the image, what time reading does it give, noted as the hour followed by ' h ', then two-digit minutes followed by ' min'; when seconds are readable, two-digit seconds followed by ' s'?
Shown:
10 h 18 min
